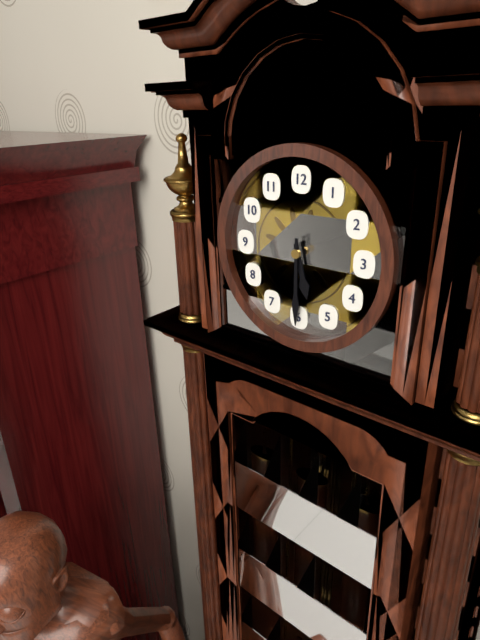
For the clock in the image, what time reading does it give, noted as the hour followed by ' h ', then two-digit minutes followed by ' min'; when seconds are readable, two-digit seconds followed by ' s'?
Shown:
5 h 30 min
